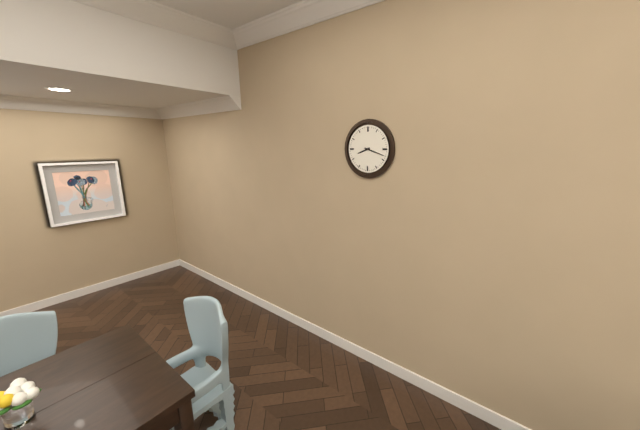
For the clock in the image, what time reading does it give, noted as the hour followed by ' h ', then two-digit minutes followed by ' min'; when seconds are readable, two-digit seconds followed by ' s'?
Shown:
8 h 18 min
